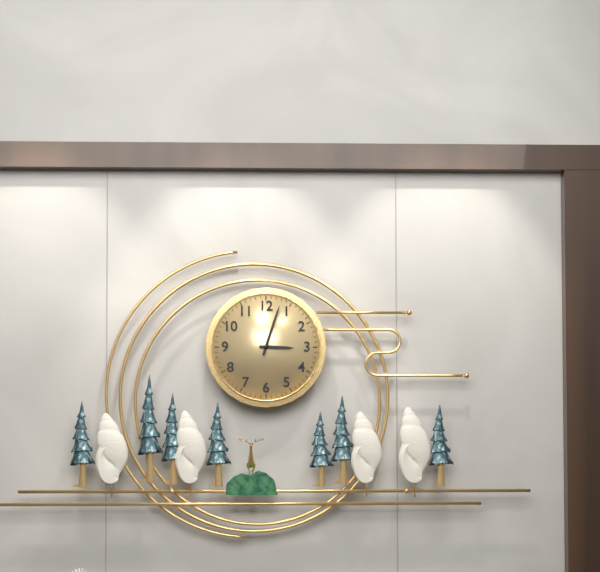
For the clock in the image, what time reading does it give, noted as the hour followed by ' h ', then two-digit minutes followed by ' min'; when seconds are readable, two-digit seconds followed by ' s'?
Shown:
3 h 03 min
